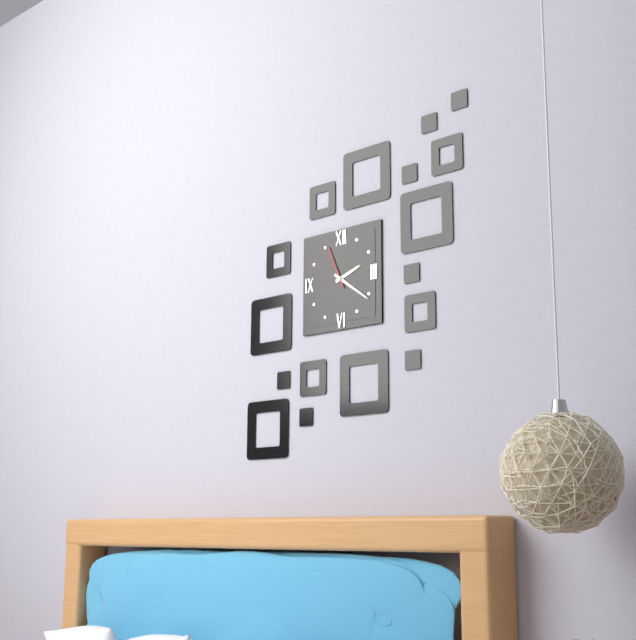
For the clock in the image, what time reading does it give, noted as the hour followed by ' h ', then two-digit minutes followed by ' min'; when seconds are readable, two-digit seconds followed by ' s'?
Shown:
2 h 21 min
